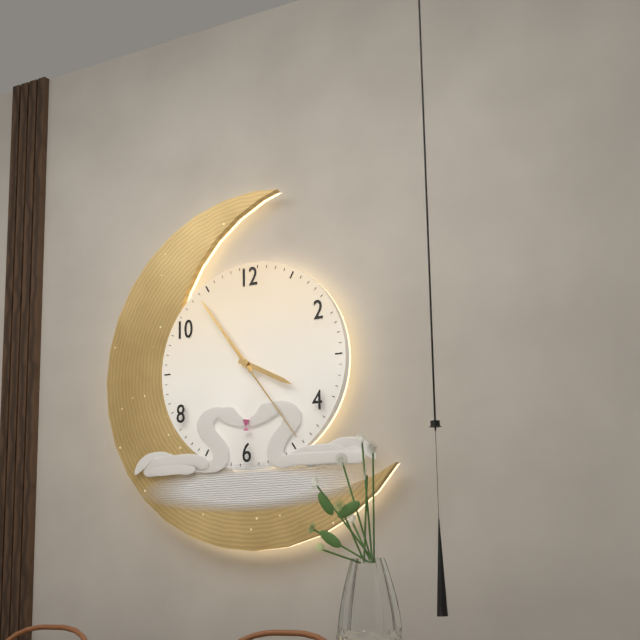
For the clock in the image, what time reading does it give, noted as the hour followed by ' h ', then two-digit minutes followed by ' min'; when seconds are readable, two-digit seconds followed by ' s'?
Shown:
3 h 54 min 24 s
